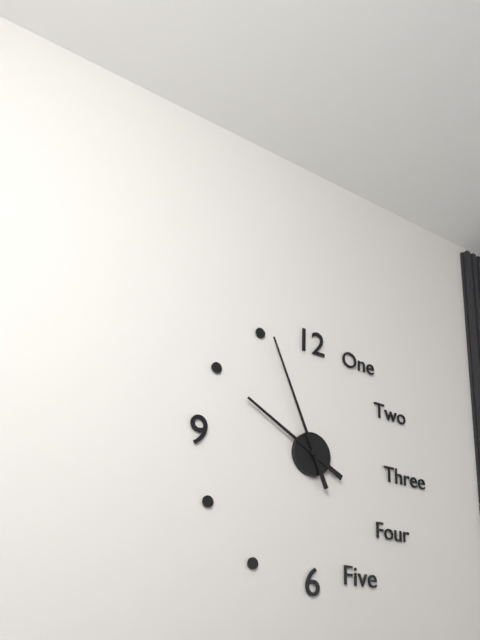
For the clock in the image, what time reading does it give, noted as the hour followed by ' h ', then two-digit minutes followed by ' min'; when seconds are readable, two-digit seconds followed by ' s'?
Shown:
9 h 56 min
